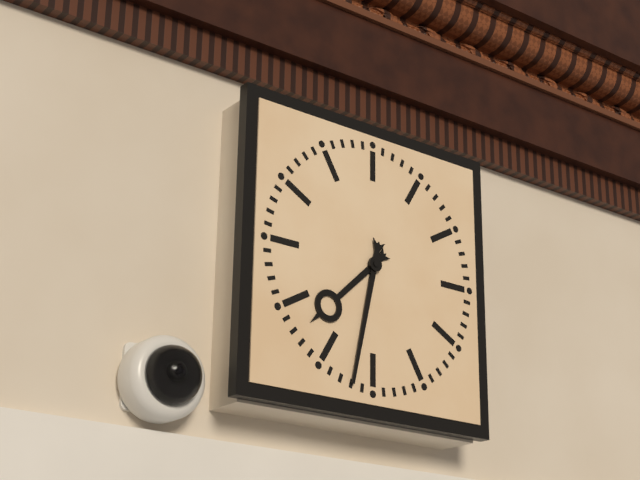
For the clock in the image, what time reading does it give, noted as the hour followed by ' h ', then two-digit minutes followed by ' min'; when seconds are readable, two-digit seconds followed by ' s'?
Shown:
7 h 32 min
